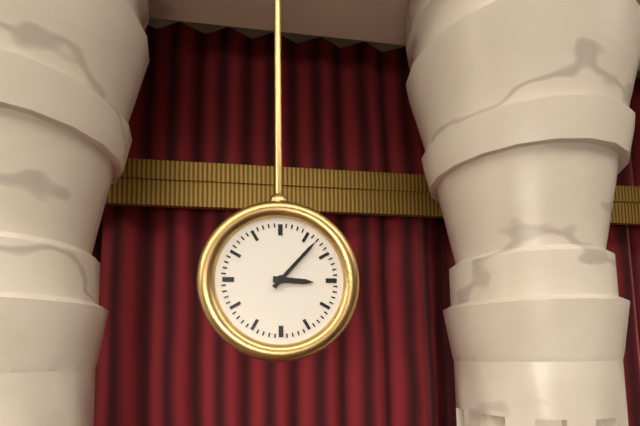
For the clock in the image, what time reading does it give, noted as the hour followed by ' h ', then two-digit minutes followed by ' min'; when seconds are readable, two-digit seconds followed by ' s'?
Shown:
3 h 07 min
